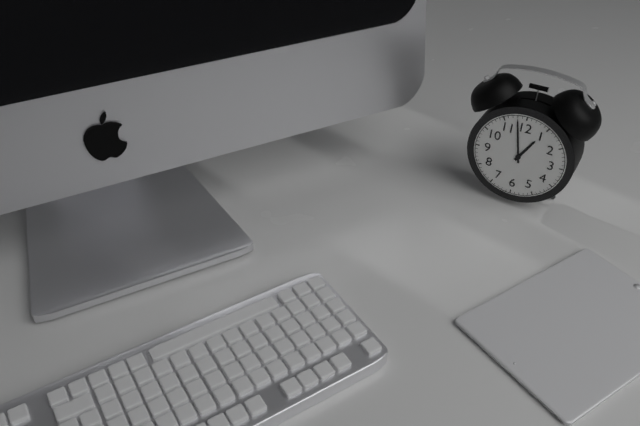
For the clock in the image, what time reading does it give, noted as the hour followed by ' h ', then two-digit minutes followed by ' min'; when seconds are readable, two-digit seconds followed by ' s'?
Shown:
12 h 58 min
